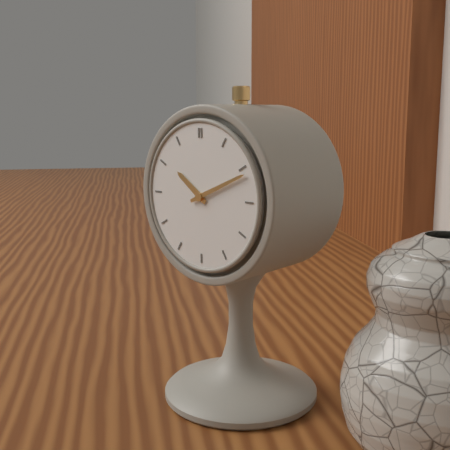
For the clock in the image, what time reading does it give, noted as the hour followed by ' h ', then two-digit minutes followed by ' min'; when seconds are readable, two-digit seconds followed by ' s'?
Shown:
10 h 11 min
